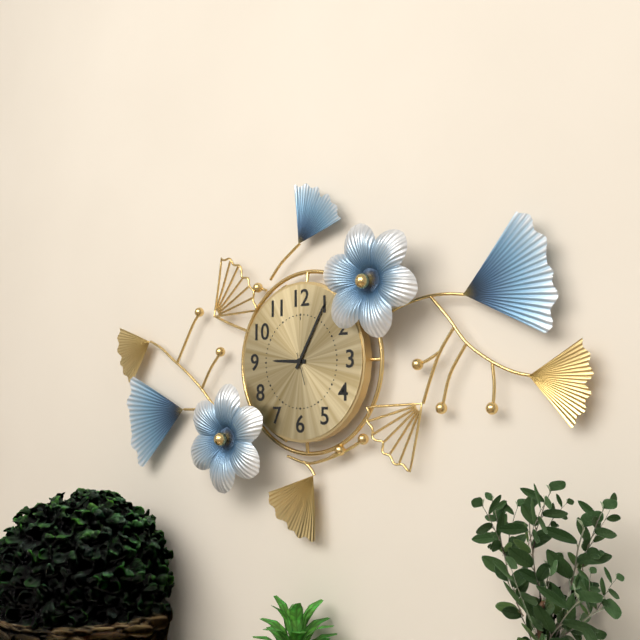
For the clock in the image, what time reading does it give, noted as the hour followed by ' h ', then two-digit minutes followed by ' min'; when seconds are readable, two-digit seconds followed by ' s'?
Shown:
9 h 05 min
